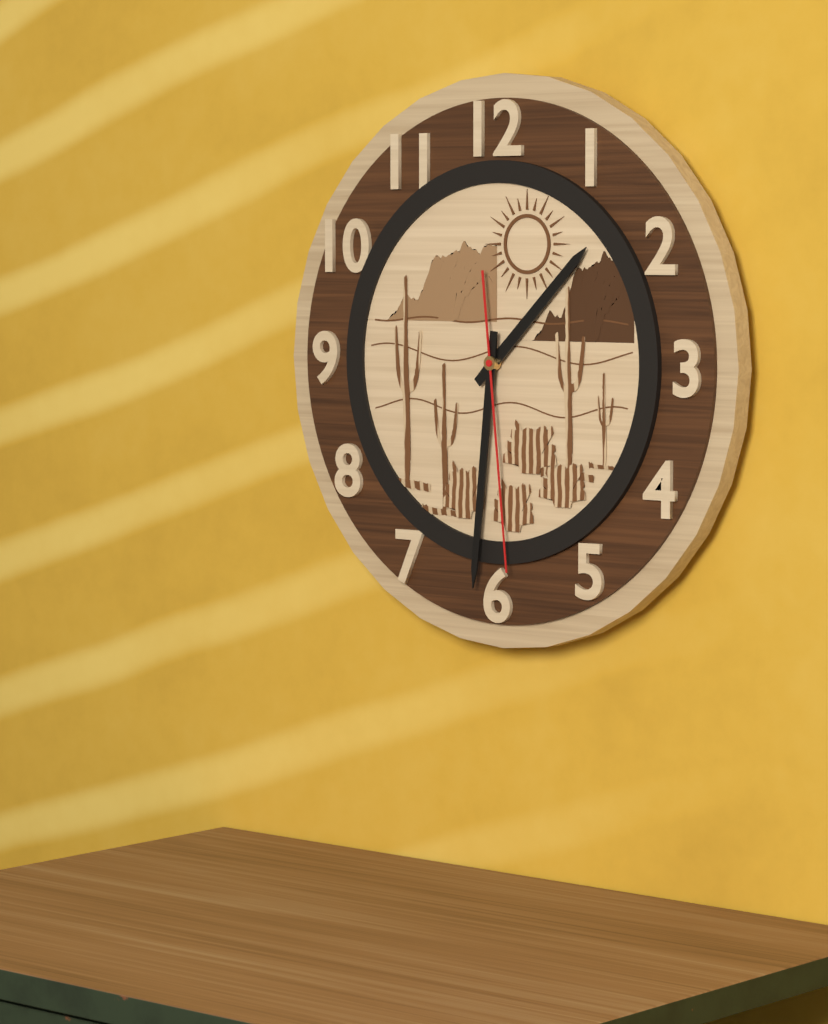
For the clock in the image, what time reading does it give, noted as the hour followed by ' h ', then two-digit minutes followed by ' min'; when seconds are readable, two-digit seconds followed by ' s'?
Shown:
1 h 31 min 29 s
